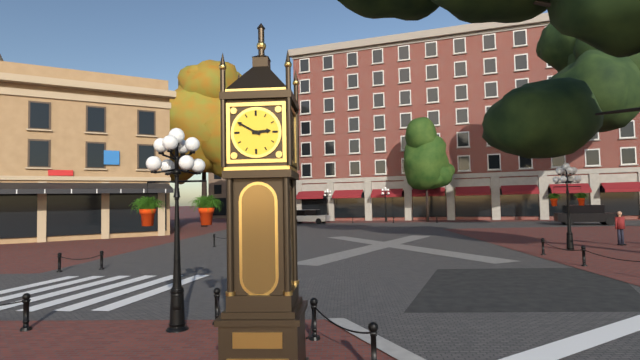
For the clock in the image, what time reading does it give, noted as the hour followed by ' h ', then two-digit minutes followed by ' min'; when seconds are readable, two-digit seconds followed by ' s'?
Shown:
2 h 50 min
